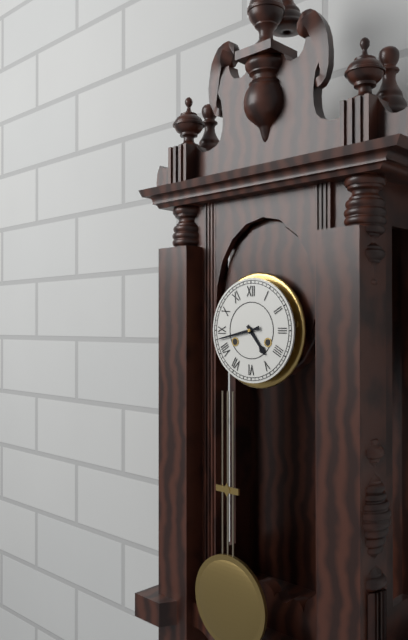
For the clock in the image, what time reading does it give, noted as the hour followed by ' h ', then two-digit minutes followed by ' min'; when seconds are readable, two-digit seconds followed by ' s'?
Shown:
4 h 43 min
